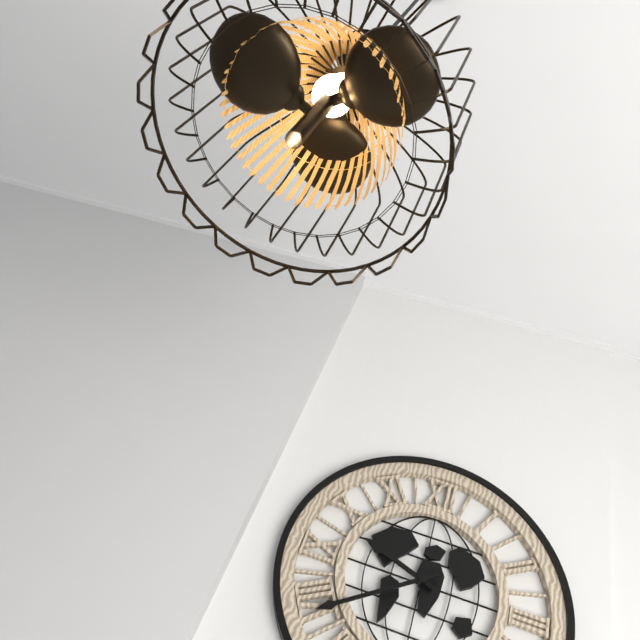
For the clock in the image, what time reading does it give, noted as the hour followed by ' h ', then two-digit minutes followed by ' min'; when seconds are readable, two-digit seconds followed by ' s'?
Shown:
9 h 39 min
